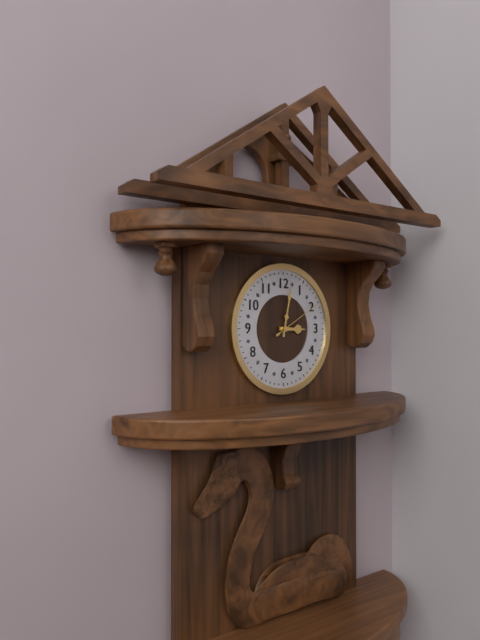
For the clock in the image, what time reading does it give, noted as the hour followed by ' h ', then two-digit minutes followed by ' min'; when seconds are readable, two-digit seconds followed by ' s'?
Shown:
3 h 02 min 10 s
